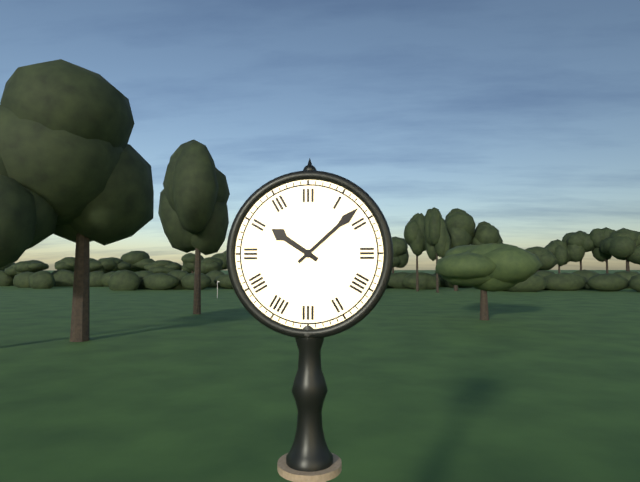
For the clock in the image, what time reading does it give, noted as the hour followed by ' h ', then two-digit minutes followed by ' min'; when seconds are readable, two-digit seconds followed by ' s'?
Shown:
10 h 08 min
